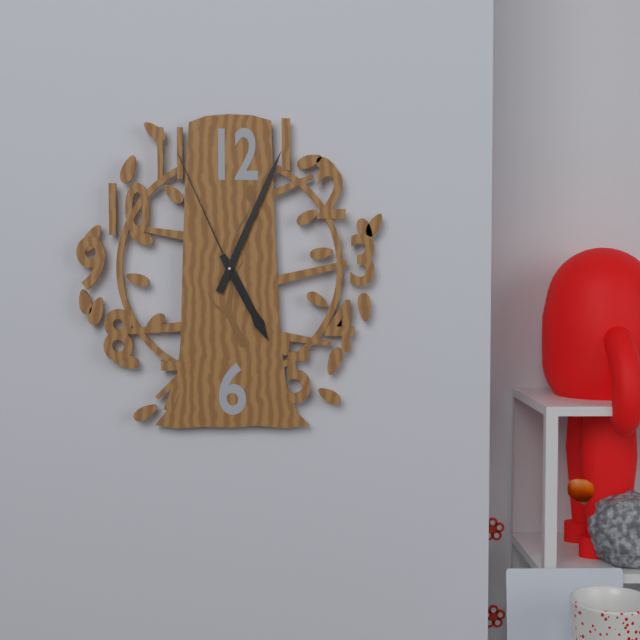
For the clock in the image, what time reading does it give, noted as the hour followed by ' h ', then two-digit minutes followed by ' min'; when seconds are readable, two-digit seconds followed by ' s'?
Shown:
5 h 04 min 56 s
